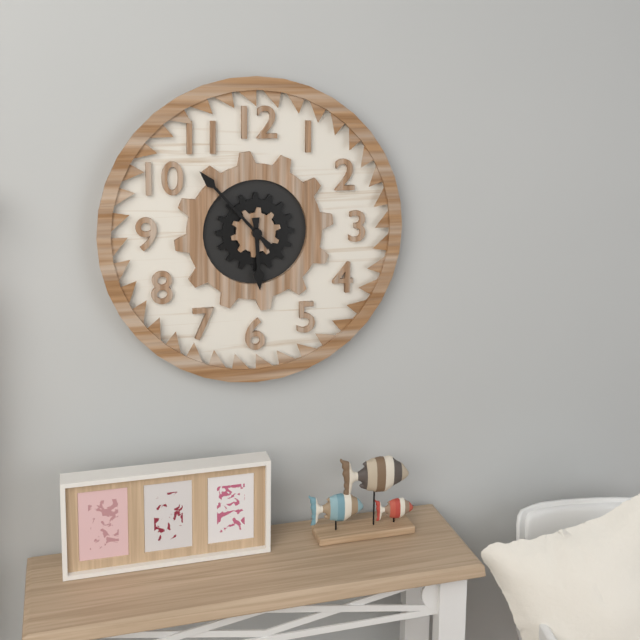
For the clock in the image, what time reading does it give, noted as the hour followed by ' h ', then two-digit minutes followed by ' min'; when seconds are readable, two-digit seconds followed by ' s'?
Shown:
5 h 53 min
